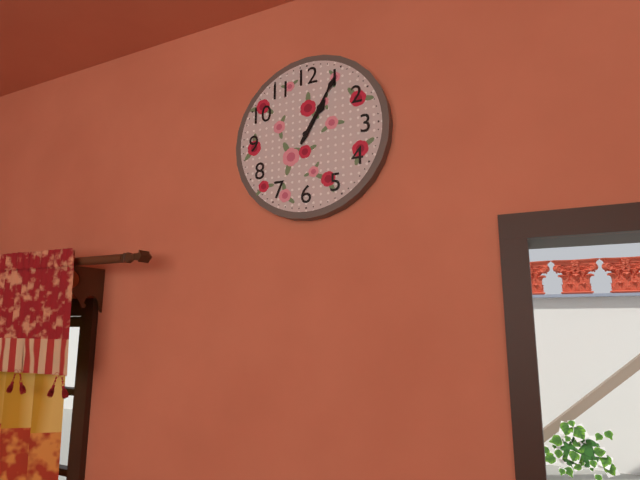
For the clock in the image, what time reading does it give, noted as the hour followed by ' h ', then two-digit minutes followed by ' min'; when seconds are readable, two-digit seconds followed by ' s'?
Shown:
1 h 05 min
